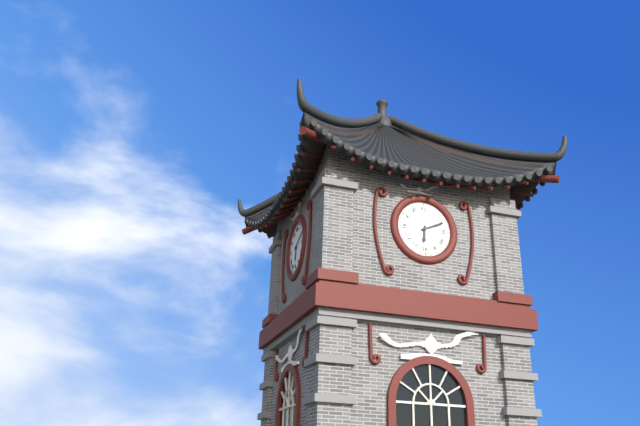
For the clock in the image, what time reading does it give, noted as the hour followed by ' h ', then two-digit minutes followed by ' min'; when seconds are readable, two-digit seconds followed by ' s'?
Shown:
6 h 11 min
